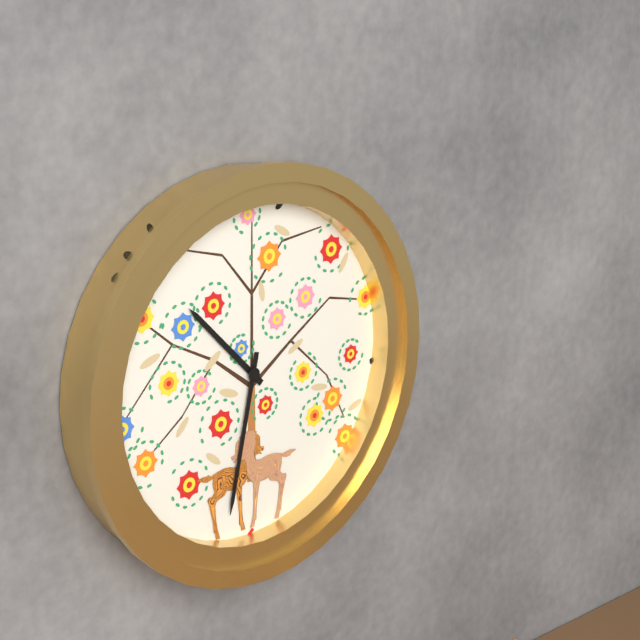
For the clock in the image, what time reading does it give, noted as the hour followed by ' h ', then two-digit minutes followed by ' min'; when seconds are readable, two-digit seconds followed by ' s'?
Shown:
10 h 32 min
